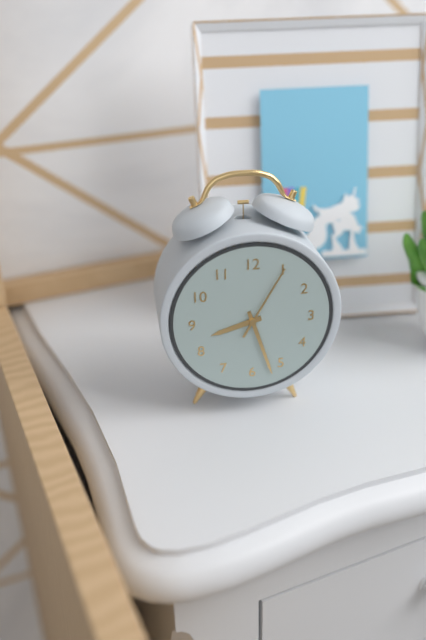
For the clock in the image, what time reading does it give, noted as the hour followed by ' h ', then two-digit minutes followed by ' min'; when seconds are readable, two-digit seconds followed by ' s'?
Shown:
8 h 27 min 05 s
